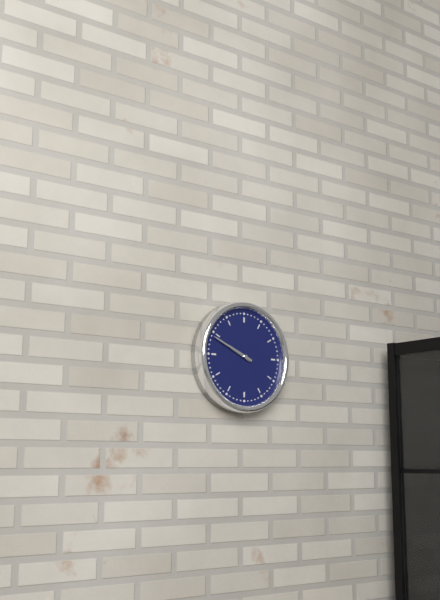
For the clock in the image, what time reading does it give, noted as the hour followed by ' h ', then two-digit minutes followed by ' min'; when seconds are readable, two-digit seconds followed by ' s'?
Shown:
9 h 49 min
